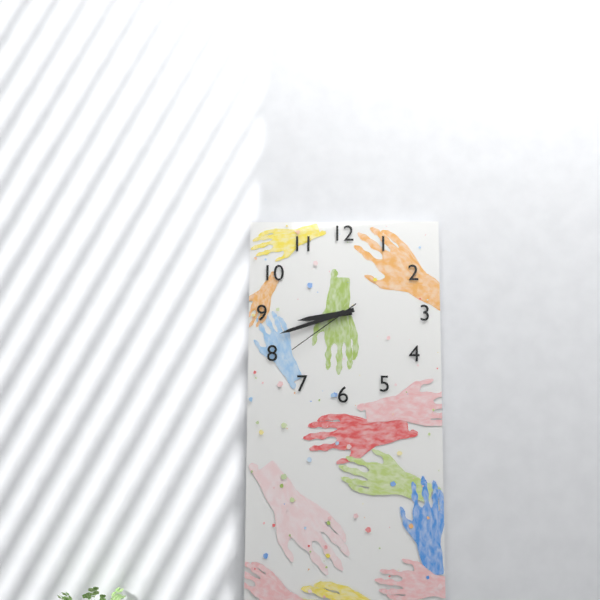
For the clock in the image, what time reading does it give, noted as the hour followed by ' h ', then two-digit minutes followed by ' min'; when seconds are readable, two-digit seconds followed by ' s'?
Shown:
8 h 42 min 39 s
